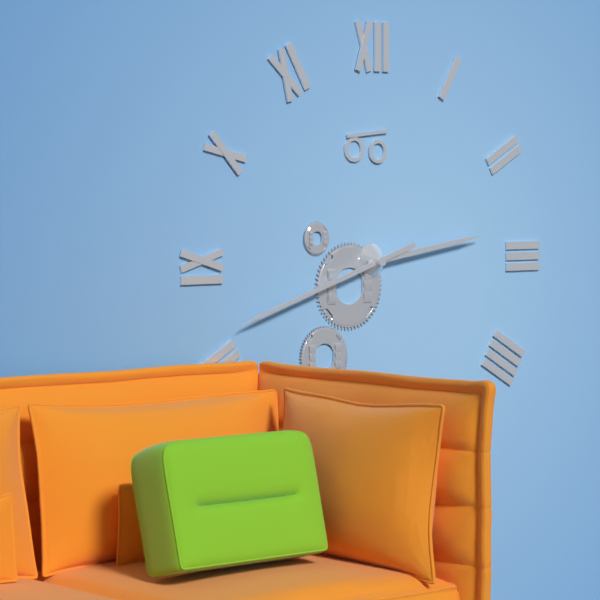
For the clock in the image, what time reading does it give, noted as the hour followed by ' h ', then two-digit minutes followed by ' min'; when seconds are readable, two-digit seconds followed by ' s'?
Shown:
2 h 42 min
